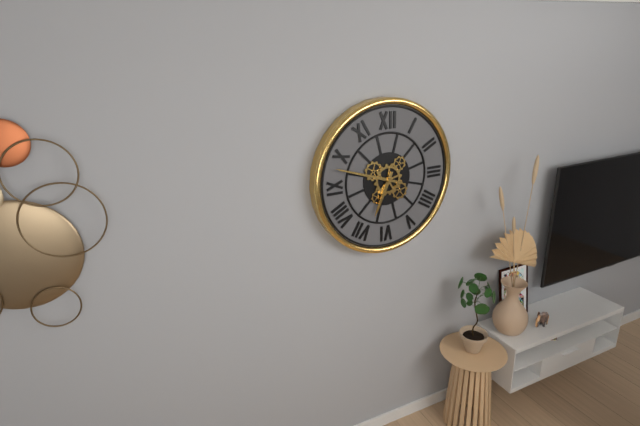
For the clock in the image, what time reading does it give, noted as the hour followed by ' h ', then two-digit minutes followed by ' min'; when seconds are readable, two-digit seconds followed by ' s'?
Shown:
6 h 48 min
